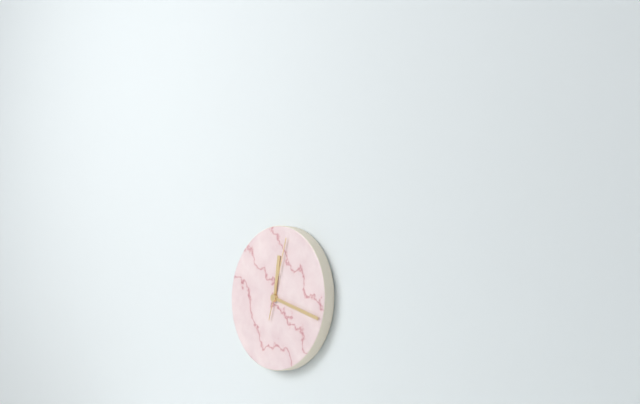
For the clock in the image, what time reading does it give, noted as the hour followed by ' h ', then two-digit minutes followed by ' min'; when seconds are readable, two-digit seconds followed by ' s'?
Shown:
12 h 18 min 03 s
